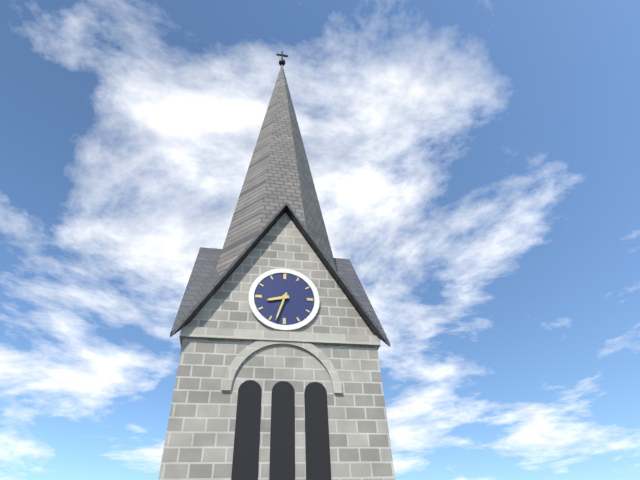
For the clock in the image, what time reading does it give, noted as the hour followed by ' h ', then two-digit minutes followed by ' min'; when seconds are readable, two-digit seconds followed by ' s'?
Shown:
8 h 33 min
